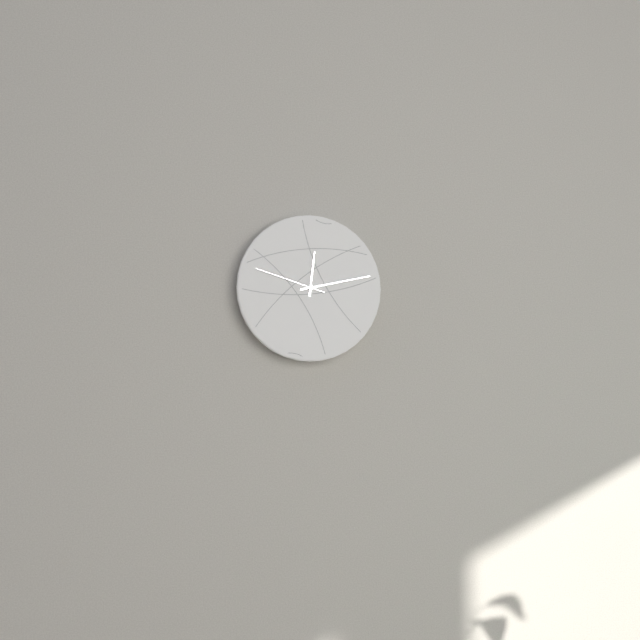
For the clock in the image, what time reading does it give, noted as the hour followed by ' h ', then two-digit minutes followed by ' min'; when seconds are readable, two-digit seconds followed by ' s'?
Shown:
12 h 13 min 48 s
